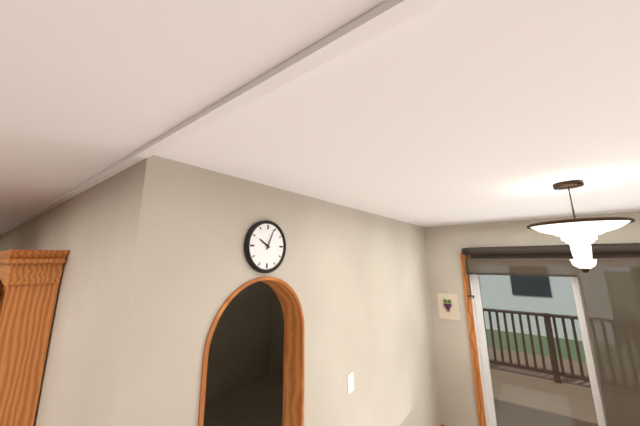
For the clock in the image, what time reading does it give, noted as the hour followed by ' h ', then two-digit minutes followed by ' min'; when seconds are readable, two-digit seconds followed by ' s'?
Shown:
10 h 04 min
